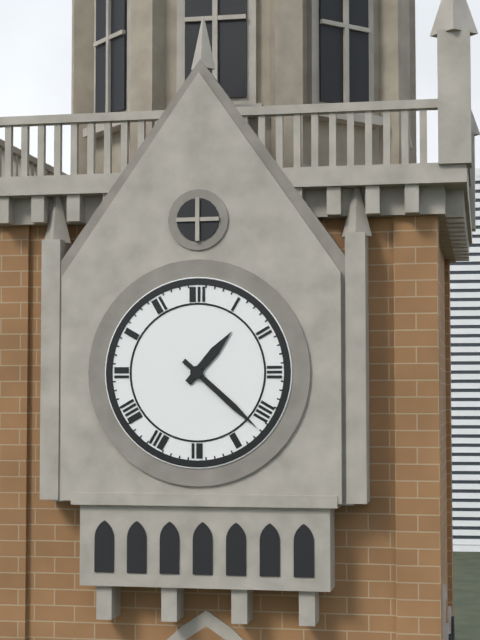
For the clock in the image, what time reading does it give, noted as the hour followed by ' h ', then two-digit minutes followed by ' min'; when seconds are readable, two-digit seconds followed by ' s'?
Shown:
1 h 22 min
